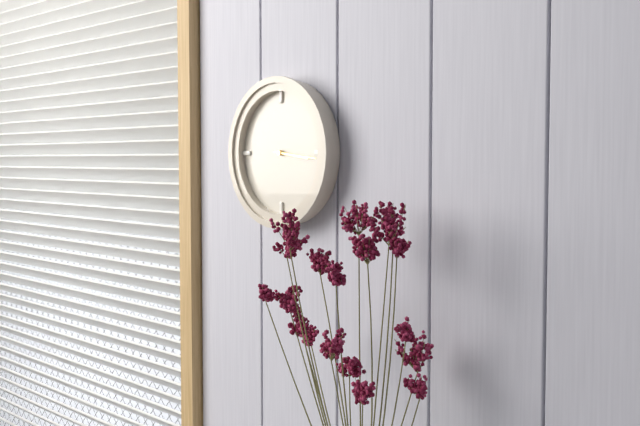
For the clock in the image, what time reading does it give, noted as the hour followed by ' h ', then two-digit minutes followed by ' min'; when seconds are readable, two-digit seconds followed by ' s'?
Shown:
3 h 16 min
